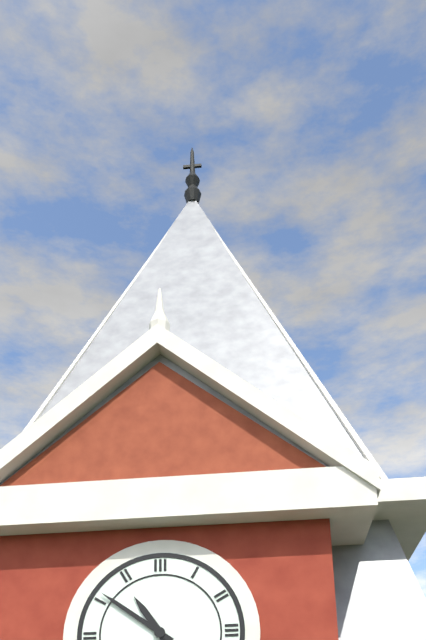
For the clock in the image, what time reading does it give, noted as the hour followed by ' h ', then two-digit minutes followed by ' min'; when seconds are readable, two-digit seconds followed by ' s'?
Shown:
10 h 51 min
